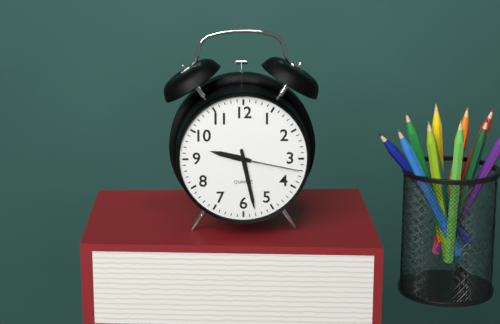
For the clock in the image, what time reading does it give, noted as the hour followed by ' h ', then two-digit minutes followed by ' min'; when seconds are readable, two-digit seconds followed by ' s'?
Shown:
9 h 28 min 17 s
